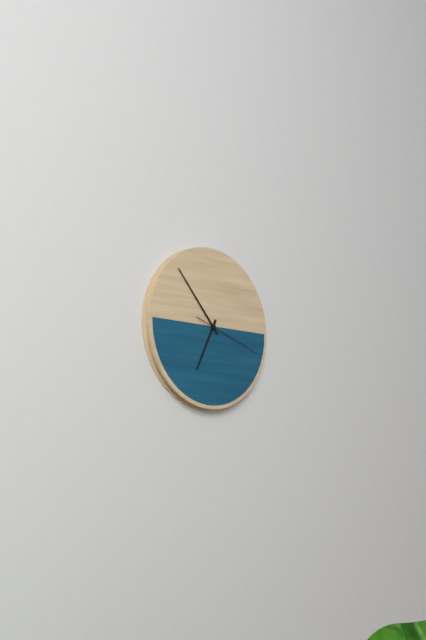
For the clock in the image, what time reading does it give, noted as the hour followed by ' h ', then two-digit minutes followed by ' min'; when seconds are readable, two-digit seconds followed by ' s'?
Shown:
6 h 53 min 18 s
